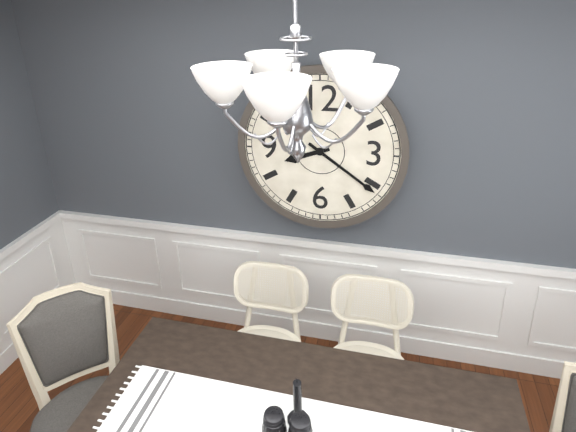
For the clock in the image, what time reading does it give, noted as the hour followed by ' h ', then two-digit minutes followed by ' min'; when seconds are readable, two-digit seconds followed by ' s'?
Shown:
8 h 21 min
